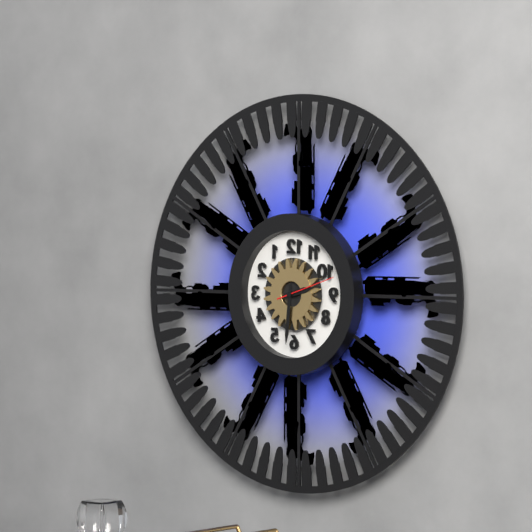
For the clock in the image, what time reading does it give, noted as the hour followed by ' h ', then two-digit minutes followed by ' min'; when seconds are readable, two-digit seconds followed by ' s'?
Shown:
2 h 31 min 12 s
